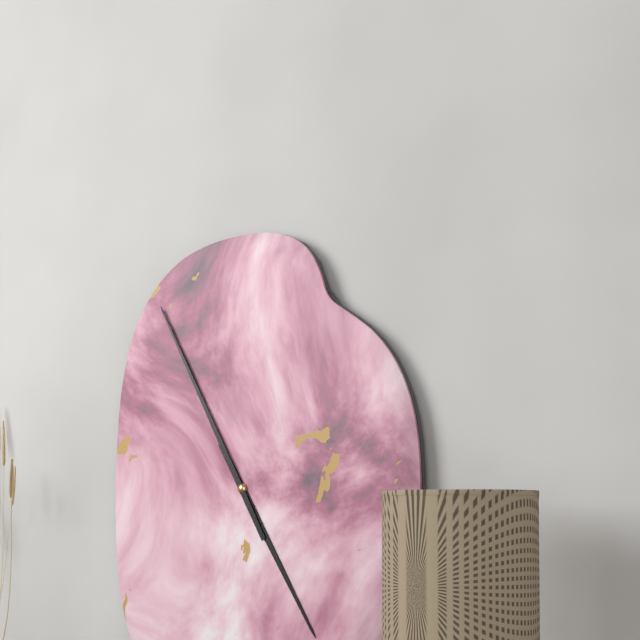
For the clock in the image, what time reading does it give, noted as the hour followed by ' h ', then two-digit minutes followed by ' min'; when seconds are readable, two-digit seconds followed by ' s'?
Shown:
4 h 55 min
